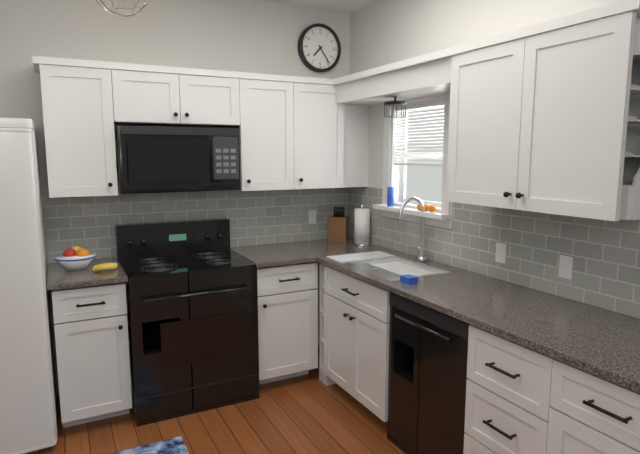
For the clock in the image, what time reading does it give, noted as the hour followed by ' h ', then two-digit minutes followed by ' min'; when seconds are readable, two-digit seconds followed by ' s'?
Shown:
7 h 24 min
